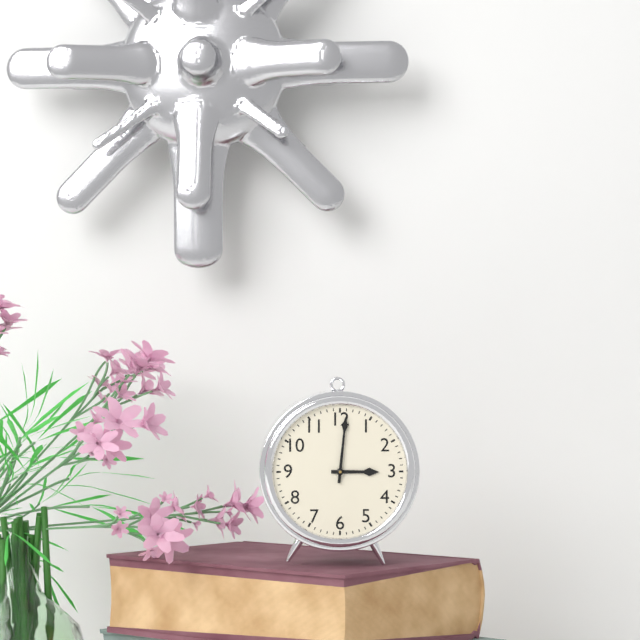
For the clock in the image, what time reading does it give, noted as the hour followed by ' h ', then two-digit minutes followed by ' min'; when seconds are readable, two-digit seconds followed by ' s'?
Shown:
3 h 01 min
